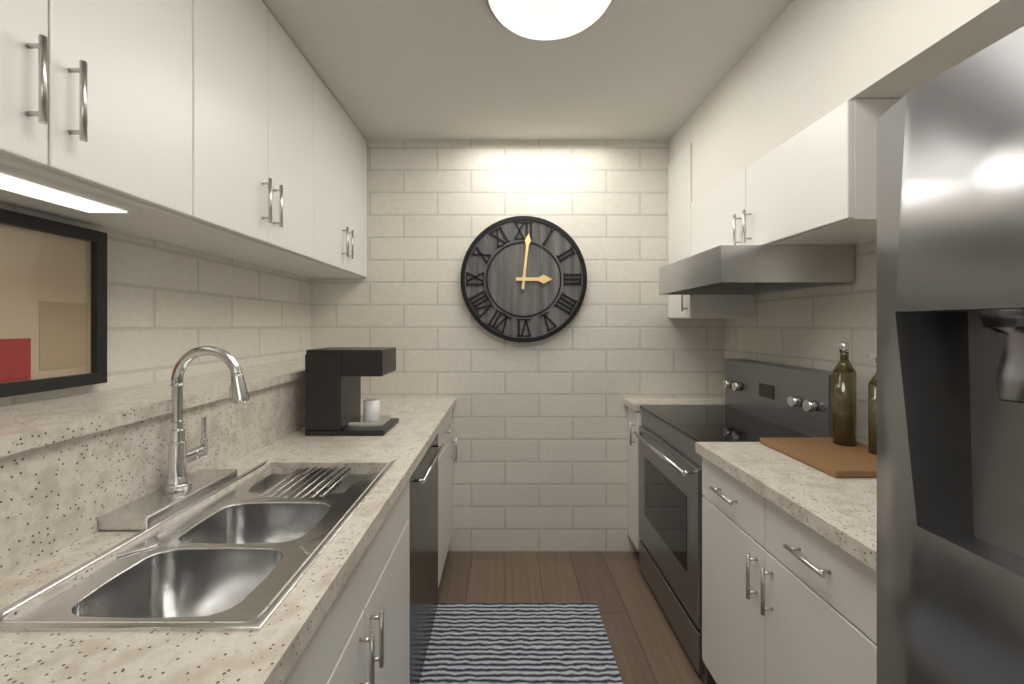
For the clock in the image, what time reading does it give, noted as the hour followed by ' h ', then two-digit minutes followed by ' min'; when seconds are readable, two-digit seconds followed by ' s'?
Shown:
3 h 01 min
